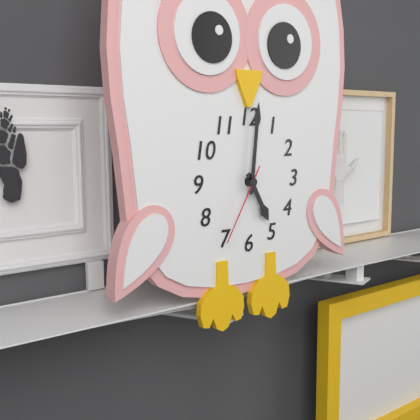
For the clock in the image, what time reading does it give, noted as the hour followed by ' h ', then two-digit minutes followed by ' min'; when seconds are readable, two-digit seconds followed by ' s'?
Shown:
5 h 01 min 35 s
